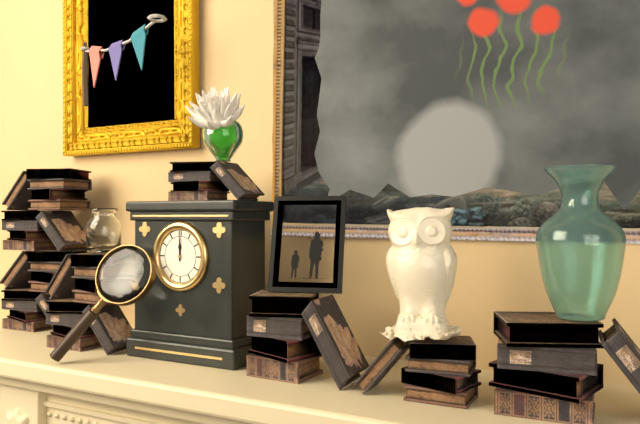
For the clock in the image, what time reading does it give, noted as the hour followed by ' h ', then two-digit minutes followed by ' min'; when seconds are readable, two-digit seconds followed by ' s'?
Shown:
12 h 00 min
